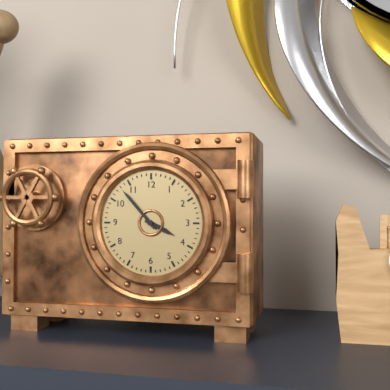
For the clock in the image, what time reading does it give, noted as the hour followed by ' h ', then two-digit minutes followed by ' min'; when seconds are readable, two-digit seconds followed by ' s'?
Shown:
3 h 53 min
